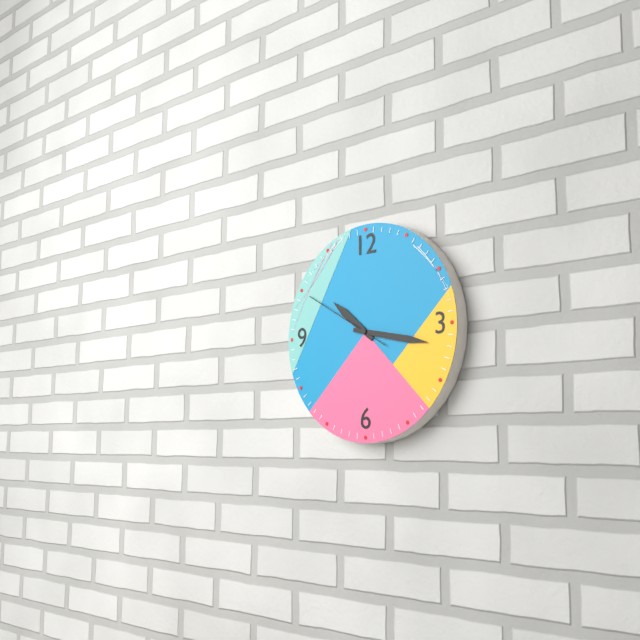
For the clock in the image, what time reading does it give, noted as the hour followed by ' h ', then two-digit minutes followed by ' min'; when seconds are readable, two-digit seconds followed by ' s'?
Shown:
10 h 17 min 50 s
